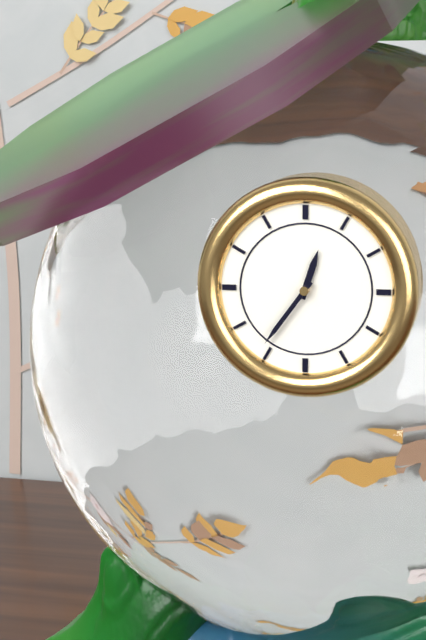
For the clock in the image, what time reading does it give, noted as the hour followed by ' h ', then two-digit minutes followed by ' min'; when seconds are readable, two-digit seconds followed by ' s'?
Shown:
12 h 36 min
